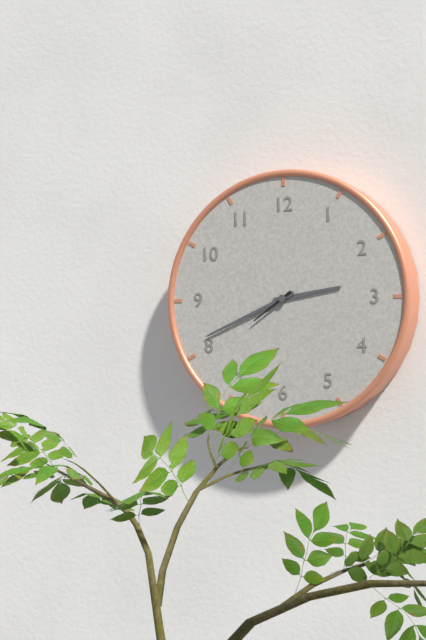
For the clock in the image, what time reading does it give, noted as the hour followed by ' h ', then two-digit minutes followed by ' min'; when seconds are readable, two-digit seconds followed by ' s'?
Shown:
2 h 41 min
